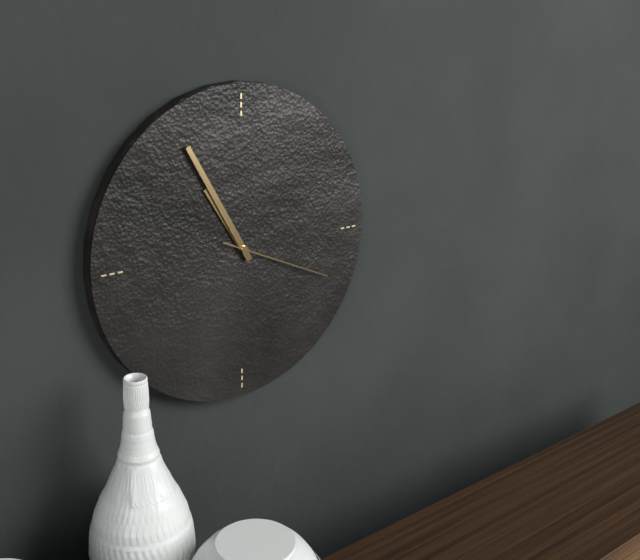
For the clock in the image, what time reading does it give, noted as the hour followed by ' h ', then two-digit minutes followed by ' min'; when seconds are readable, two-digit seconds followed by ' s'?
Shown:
10 h 55 min 19 s
